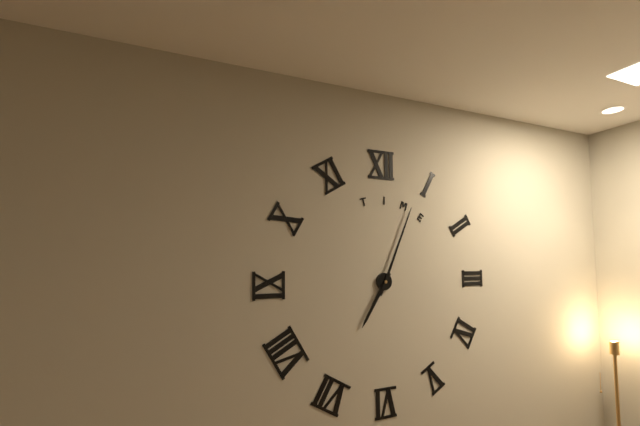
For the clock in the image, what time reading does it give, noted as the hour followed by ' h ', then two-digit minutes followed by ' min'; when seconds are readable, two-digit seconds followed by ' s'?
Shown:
7 h 04 min
